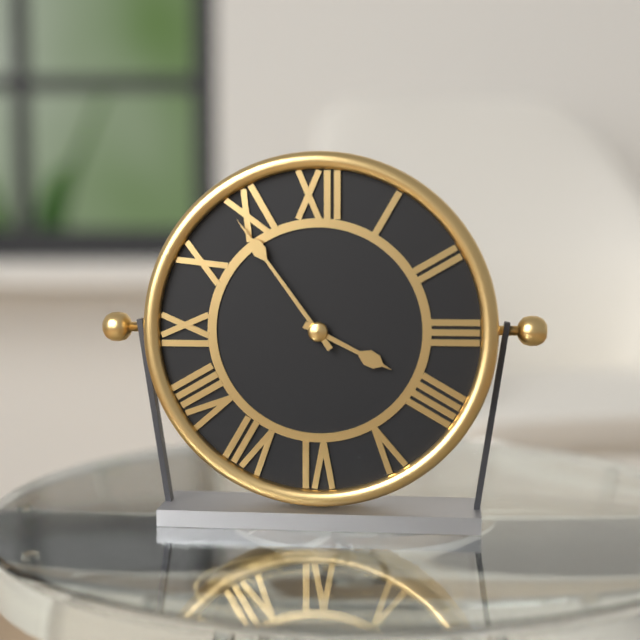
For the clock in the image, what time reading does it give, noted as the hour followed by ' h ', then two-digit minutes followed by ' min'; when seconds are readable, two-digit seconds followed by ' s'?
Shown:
3 h 54 min
